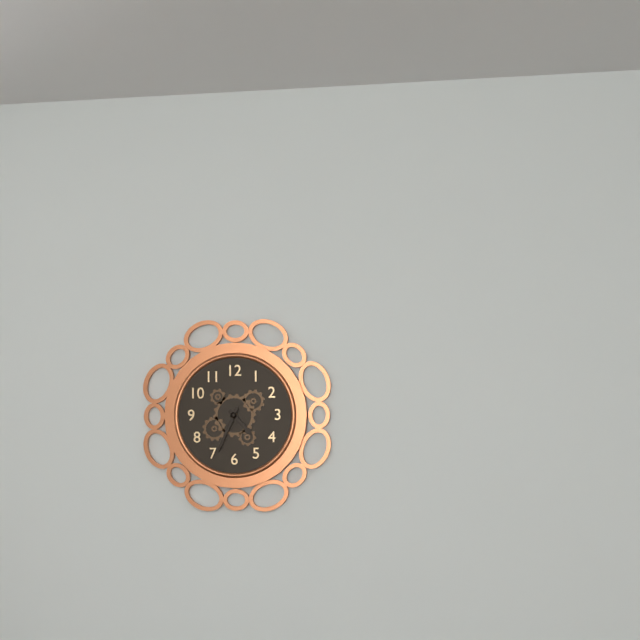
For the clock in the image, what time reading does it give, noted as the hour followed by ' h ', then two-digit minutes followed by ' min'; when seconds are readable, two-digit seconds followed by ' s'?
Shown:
4 h 34 min
